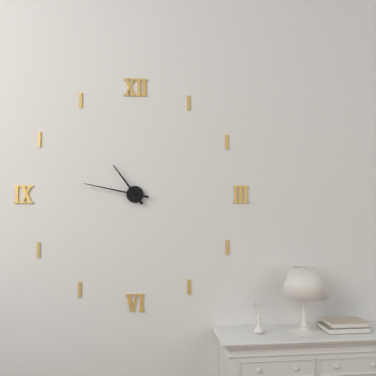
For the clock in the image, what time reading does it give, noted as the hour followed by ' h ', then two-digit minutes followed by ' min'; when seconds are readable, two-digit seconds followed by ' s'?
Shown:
10 h 47 min
